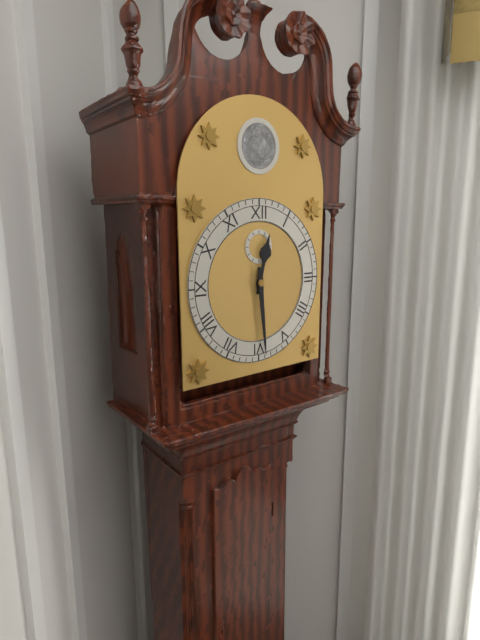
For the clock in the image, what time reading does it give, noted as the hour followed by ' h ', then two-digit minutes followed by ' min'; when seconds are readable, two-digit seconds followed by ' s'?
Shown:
12 h 29 min
